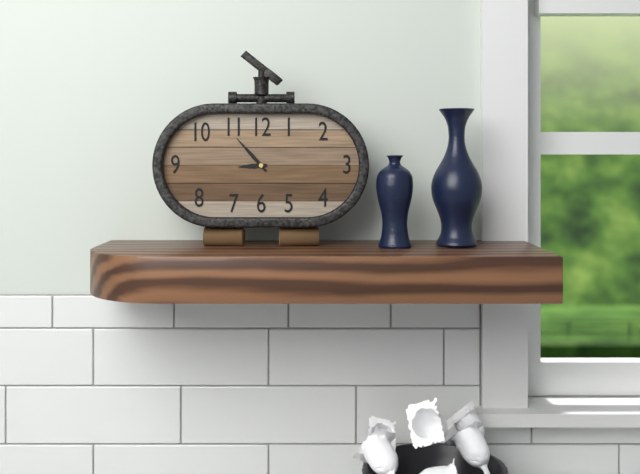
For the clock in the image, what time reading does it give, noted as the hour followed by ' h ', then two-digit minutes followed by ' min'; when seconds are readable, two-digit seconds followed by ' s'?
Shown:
8 h 53 min
